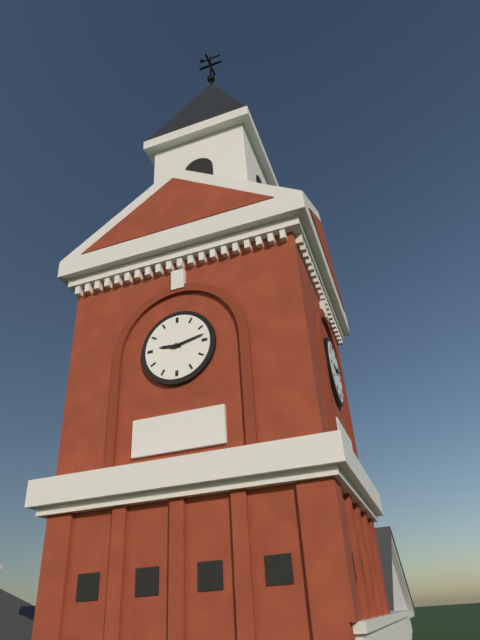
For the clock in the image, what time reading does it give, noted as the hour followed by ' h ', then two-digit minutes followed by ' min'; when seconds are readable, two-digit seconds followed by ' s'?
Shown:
9 h 13 min
